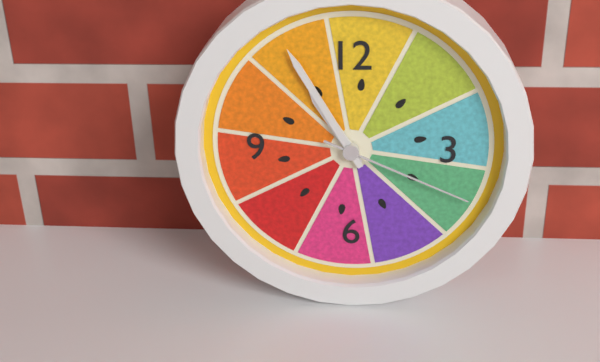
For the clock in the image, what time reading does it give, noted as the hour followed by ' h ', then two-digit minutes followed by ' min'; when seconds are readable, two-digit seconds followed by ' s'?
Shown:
10 h 55 min 19 s
